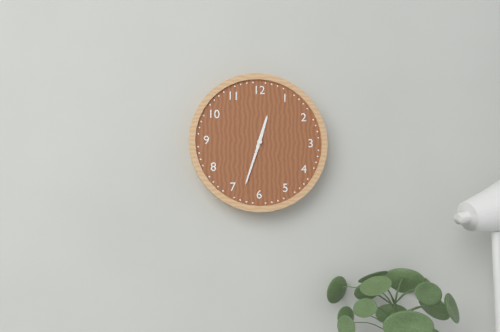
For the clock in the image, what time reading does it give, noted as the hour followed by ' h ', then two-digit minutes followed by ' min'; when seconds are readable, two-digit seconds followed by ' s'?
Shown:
12 h 33 min
